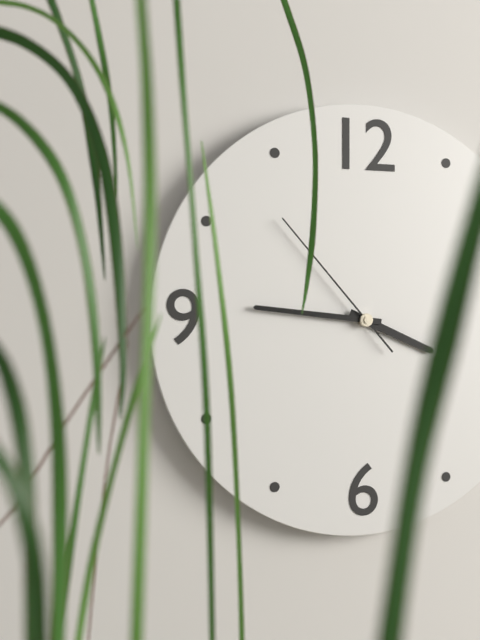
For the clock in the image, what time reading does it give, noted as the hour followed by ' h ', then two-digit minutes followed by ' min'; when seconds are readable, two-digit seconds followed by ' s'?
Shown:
3 h 46 min 53 s
